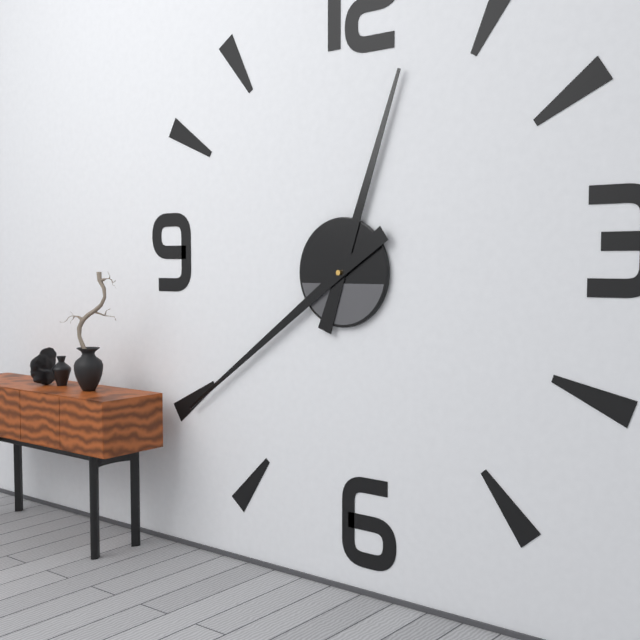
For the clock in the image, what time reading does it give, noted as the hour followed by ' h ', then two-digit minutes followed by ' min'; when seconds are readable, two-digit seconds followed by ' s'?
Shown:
12 h 39 min
